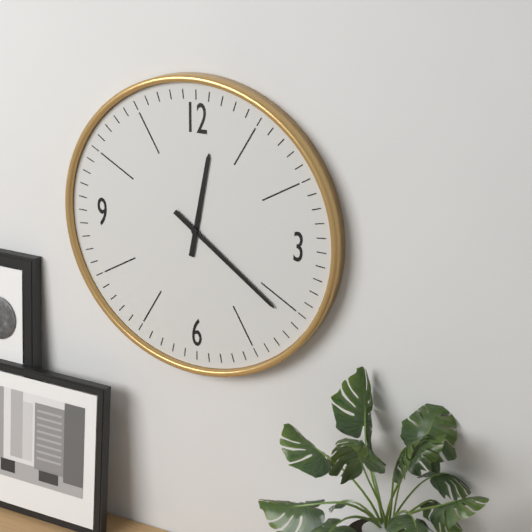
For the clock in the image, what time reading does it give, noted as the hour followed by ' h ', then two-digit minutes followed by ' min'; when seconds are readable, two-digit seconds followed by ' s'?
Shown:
12 h 21 min
